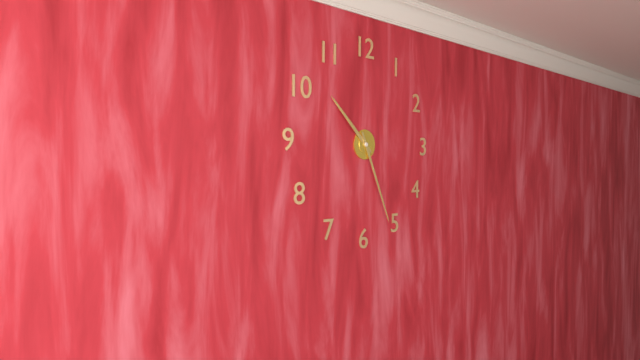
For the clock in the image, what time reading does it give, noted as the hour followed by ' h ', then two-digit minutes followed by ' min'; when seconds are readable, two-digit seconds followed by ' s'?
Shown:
10 h 26 min
